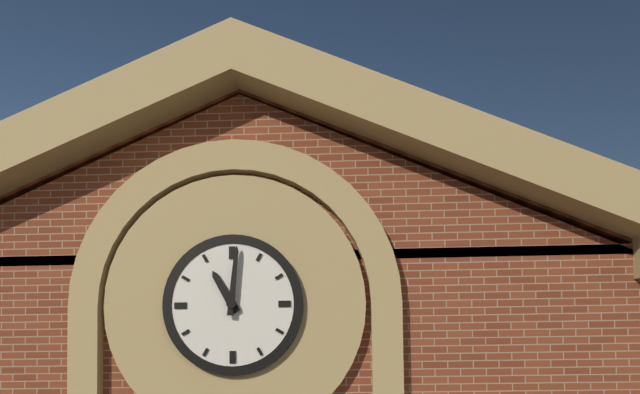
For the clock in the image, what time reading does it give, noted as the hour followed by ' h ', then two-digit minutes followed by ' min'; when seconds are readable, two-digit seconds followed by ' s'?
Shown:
11 h 01 min
